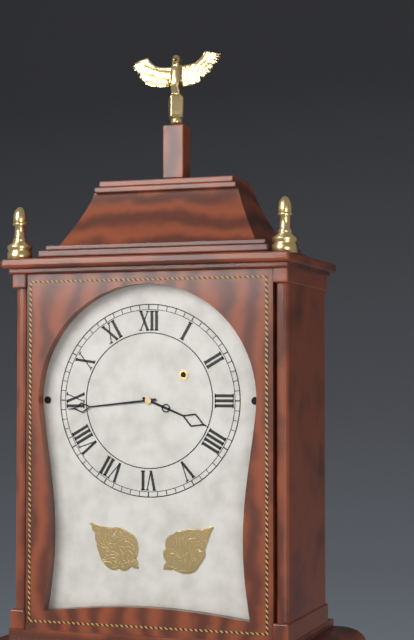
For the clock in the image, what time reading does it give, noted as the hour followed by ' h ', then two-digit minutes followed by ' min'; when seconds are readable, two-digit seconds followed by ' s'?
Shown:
3 h 44 min
